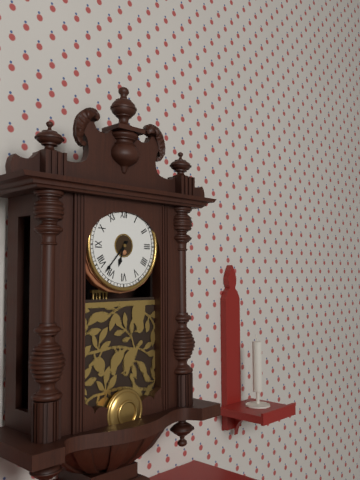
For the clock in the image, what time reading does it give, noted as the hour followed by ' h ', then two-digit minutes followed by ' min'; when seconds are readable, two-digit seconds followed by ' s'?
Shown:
6 h 37 min
